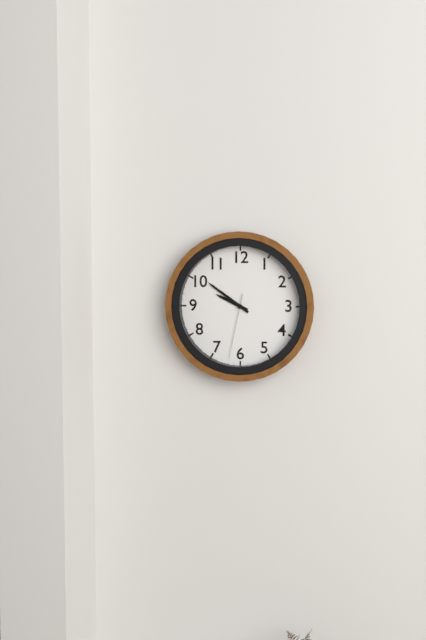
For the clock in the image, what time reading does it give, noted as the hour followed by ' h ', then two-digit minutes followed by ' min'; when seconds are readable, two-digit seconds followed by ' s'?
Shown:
9 h 51 min 32 s
